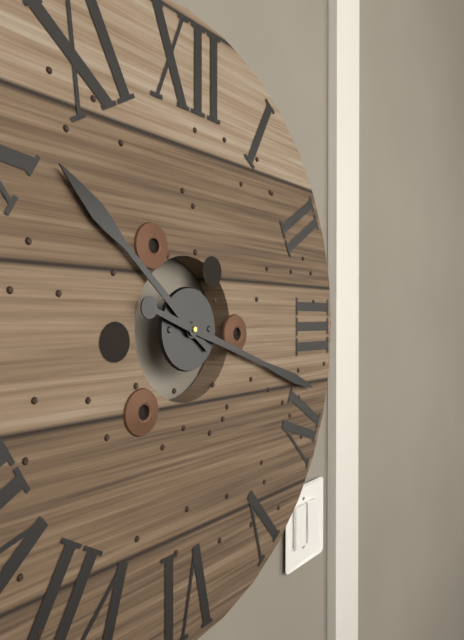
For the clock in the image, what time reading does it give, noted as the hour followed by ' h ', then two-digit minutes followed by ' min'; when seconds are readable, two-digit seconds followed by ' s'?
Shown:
10 h 18 min
